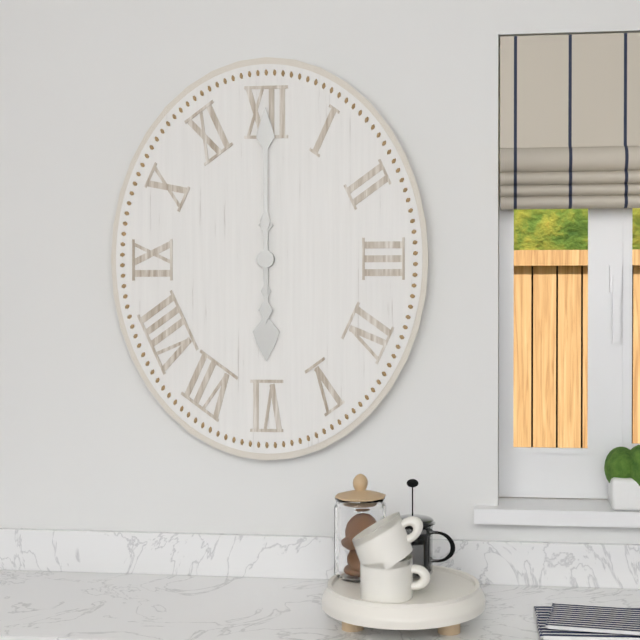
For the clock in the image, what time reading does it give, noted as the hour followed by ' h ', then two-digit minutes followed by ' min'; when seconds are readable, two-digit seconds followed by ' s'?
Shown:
6 h 00 min
